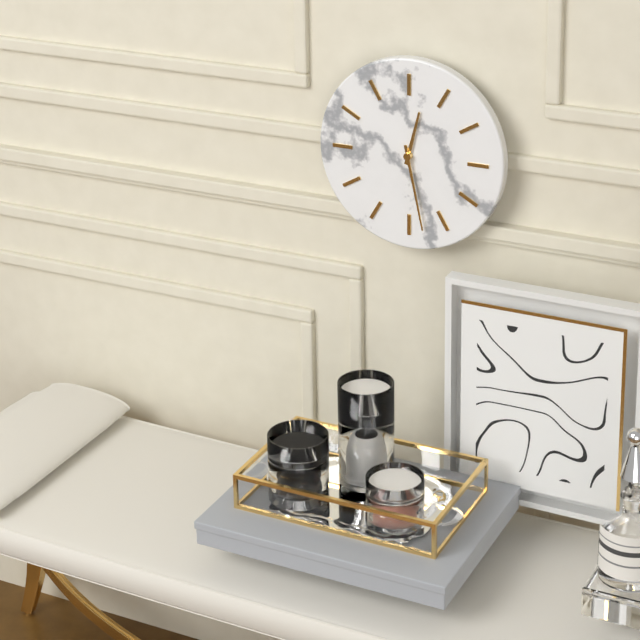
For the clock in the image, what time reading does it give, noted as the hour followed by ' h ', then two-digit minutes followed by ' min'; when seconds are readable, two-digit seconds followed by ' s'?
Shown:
12 h 28 min
